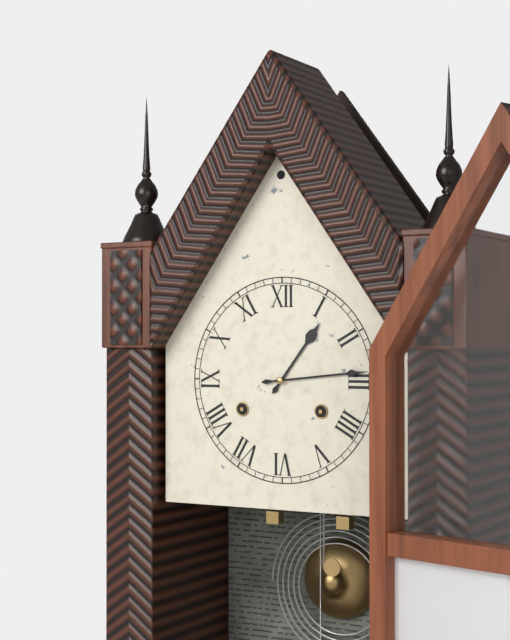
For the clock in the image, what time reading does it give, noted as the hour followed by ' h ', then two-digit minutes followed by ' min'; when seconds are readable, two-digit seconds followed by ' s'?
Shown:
1 h 14 min
